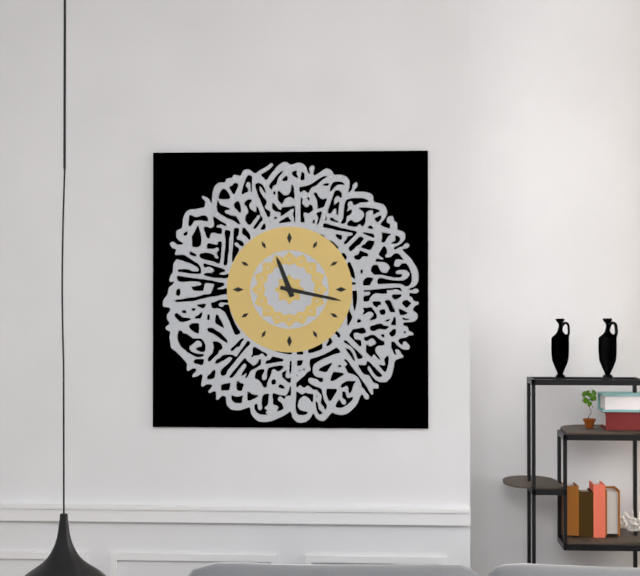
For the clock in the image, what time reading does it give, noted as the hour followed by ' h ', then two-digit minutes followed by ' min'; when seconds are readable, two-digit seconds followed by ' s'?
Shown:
11 h 17 min
